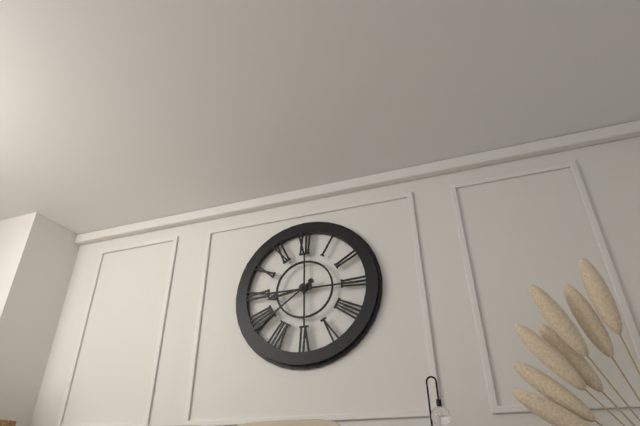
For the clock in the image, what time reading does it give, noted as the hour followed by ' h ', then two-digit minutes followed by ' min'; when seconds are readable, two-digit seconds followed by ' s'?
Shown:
8 h 39 min
